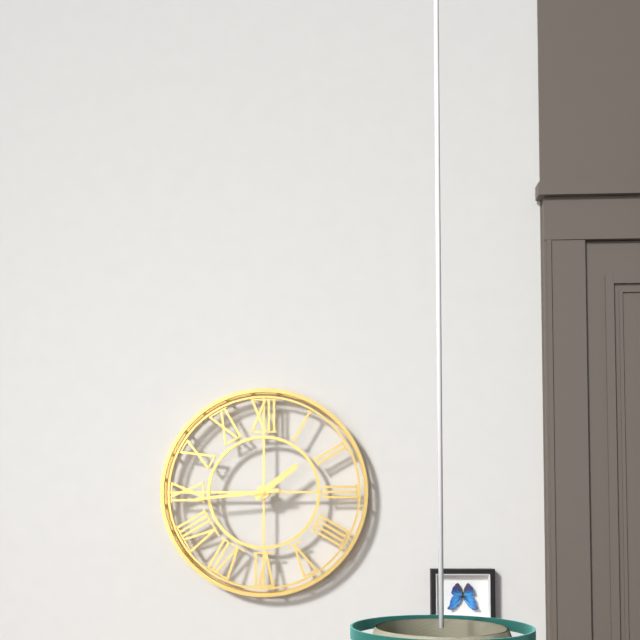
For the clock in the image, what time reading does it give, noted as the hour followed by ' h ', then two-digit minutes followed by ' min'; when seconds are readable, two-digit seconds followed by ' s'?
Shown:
1 h 44 min
